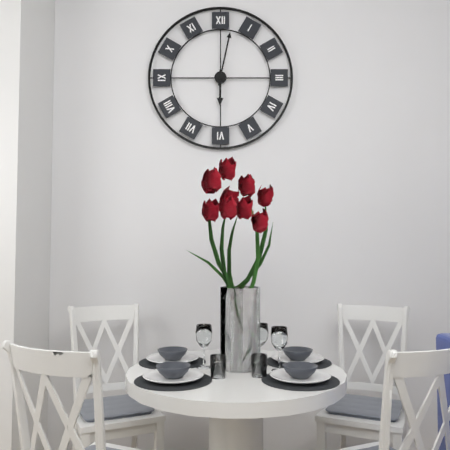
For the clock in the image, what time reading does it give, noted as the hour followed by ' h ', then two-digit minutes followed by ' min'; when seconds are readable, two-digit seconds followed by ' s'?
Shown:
6 h 02 min
